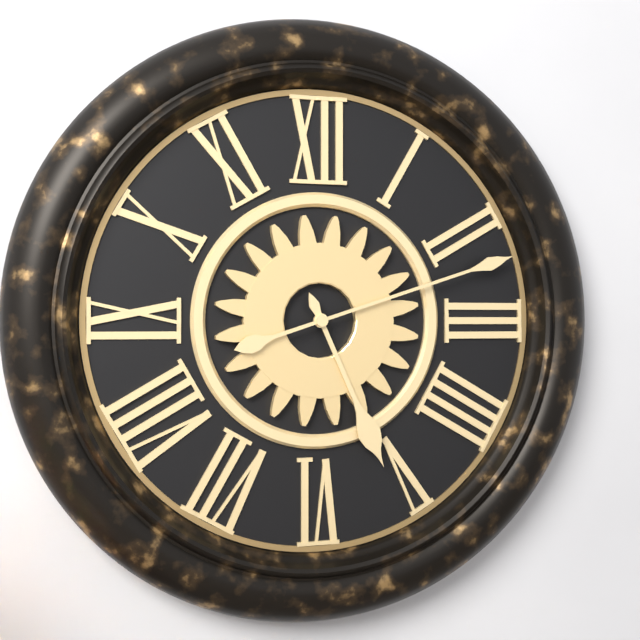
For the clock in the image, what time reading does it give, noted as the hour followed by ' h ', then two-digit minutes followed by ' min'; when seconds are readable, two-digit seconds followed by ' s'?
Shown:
5 h 12 min
